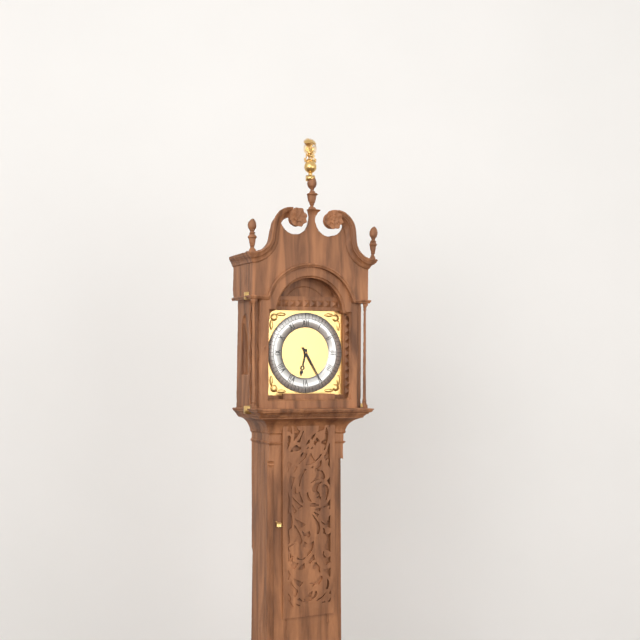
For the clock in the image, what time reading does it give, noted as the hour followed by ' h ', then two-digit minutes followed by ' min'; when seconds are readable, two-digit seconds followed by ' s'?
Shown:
6 h 25 min
